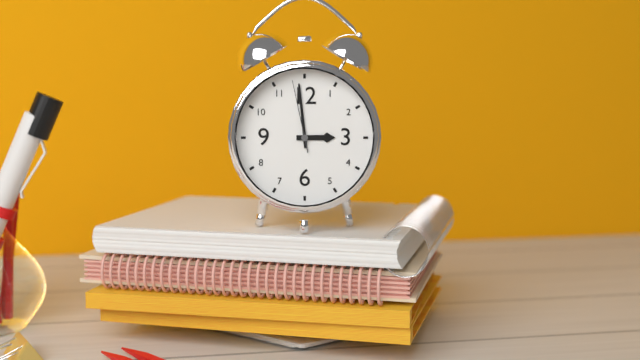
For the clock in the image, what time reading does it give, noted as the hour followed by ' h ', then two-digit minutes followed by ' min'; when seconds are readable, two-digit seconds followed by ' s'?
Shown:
2 h 59 min 58 s
